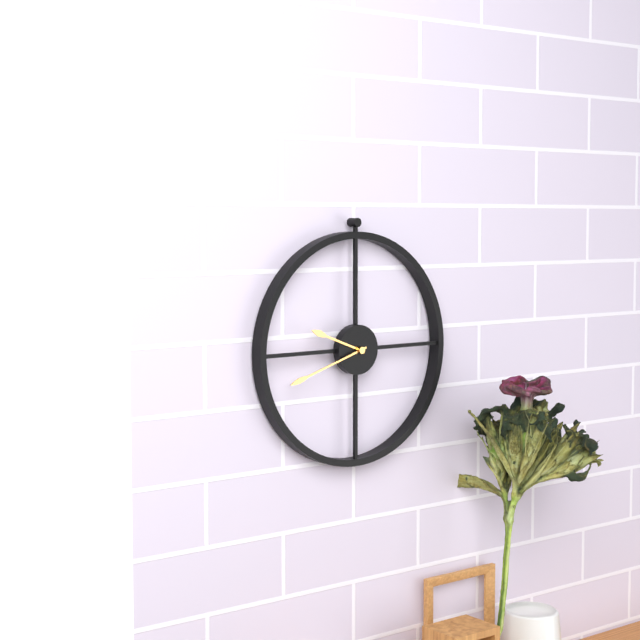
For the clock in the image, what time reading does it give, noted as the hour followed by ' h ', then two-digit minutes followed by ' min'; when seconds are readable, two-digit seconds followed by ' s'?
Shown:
9 h 42 min
